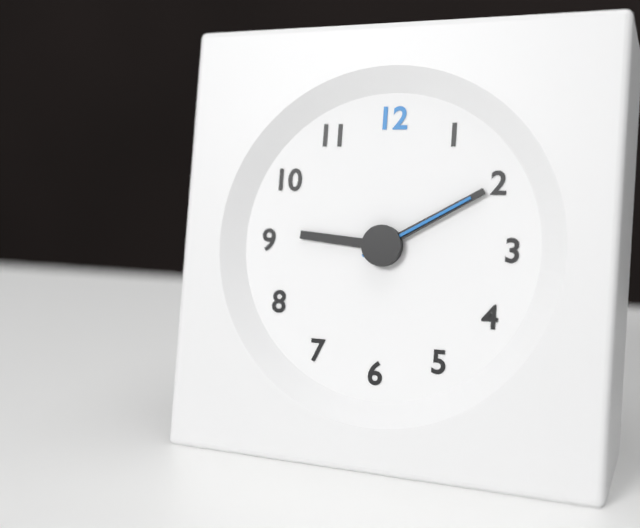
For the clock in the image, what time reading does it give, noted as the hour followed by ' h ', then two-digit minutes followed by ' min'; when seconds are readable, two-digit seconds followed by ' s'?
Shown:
9 h 10 min 10 s
